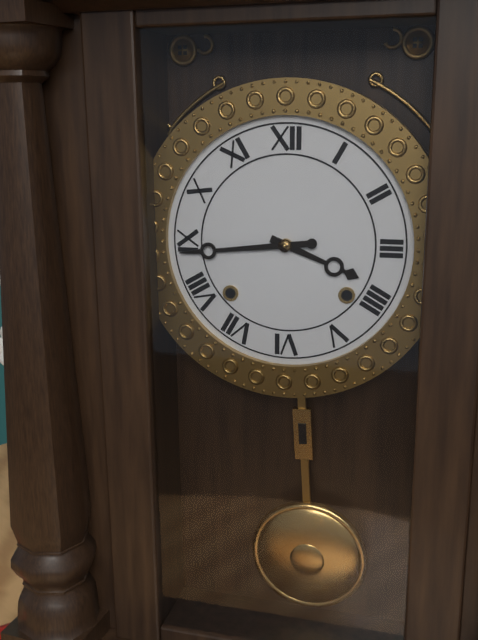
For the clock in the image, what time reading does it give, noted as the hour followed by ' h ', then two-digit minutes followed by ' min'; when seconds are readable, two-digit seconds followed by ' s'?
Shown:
3 h 44 min
